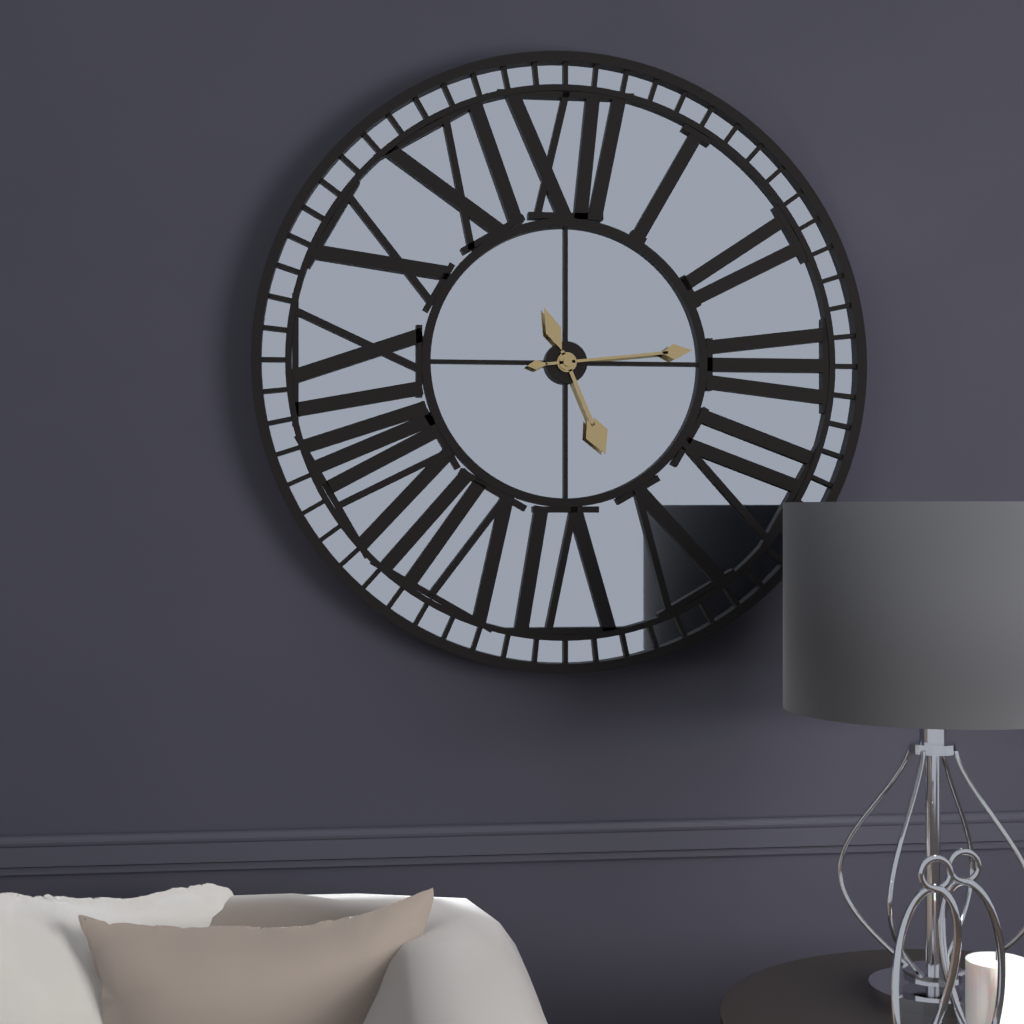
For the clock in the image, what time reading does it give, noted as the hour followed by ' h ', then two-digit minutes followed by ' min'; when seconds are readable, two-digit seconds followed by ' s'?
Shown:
5 h 14 min
